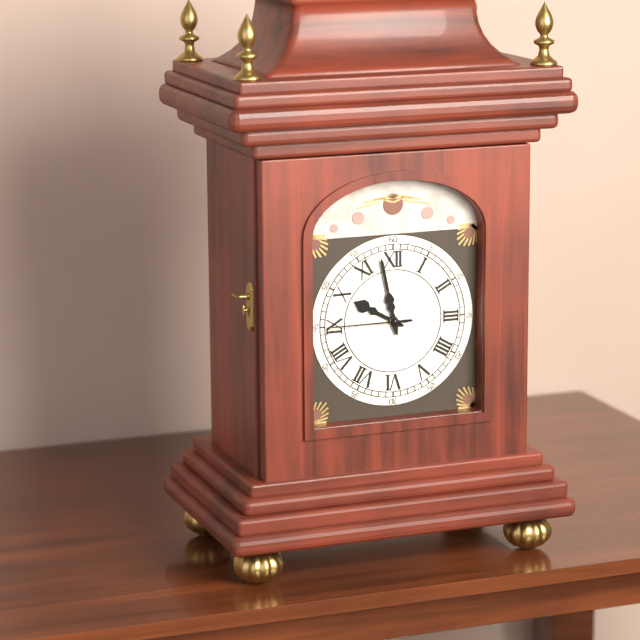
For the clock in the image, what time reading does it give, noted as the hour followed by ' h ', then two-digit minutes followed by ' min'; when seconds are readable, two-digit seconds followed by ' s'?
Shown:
9 h 58 min 45 s
